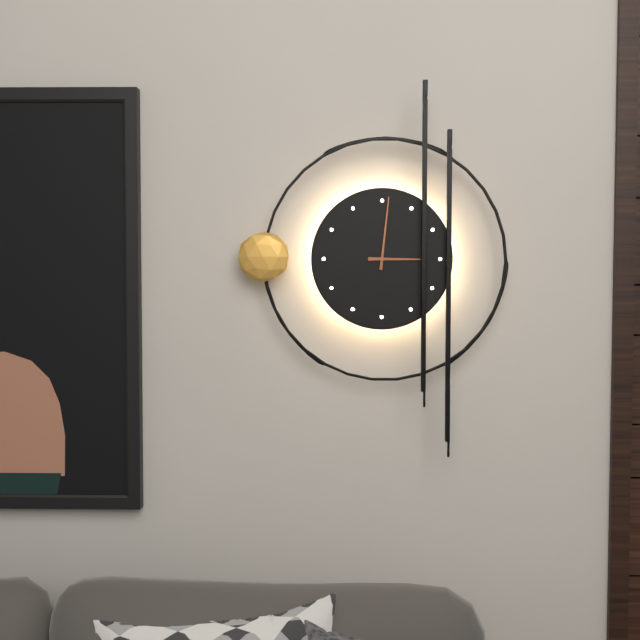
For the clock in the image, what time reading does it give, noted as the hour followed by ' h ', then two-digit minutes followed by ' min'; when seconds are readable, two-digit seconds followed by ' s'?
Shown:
3 h 01 min
